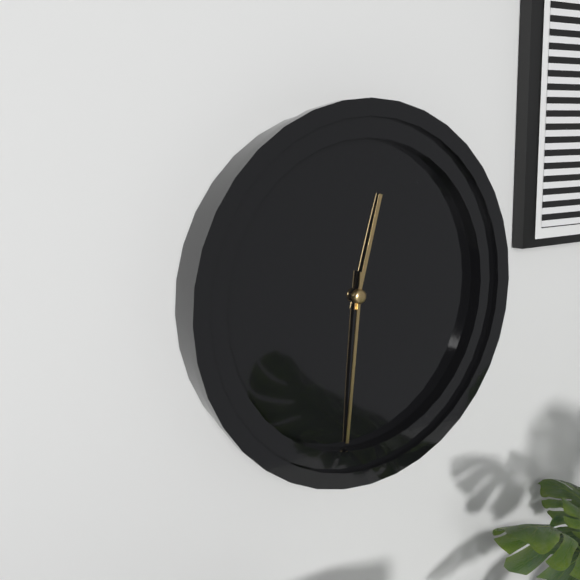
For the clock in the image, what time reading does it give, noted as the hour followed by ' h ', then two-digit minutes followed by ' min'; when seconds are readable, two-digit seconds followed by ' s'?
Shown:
12 h 31 min
